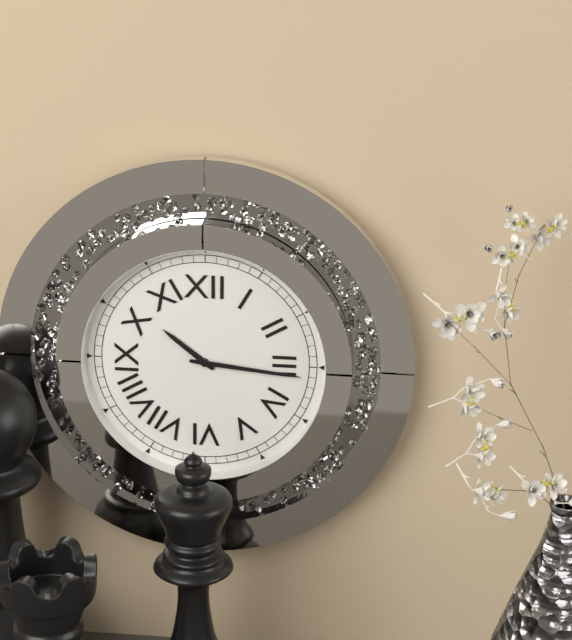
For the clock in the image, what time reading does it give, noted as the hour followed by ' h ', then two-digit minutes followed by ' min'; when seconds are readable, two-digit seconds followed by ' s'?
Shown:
10 h 16 min
